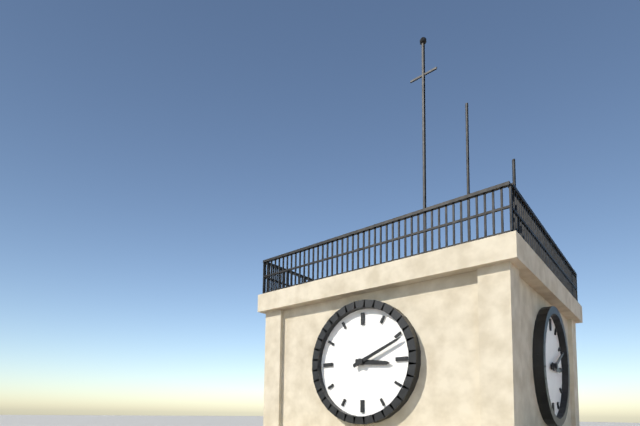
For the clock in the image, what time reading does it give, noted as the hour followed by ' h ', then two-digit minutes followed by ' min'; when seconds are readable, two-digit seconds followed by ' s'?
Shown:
3 h 11 min
